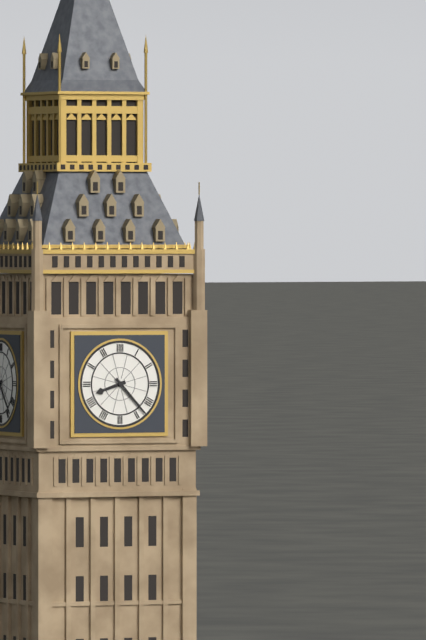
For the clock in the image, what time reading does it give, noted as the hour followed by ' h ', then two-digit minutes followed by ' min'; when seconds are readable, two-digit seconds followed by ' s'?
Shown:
8 h 23 min
